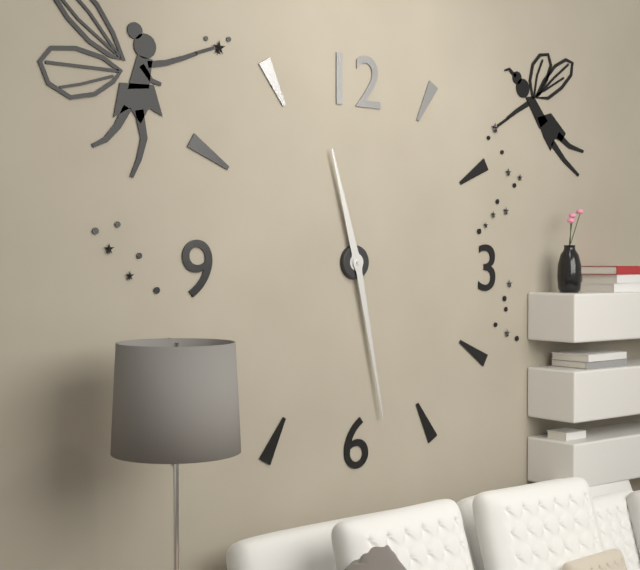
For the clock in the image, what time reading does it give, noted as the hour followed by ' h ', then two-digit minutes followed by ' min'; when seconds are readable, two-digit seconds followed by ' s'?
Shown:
11 h 28 min
